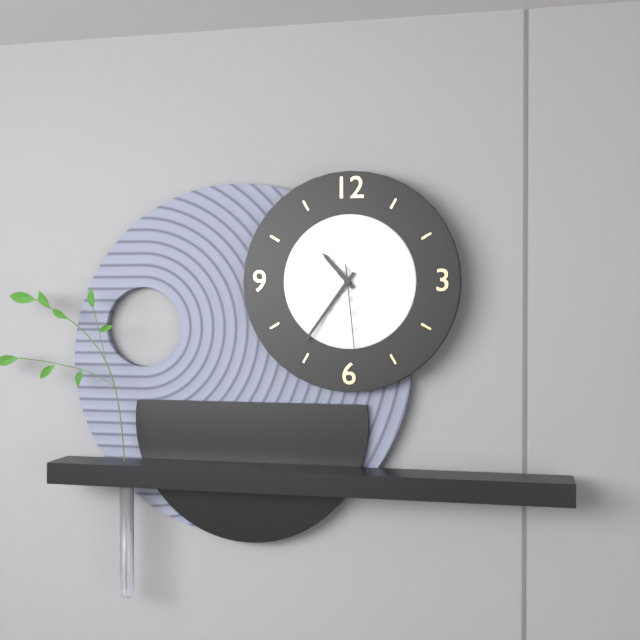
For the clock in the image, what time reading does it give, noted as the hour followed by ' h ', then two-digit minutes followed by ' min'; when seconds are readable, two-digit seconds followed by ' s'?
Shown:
10 h 36 min 29 s
